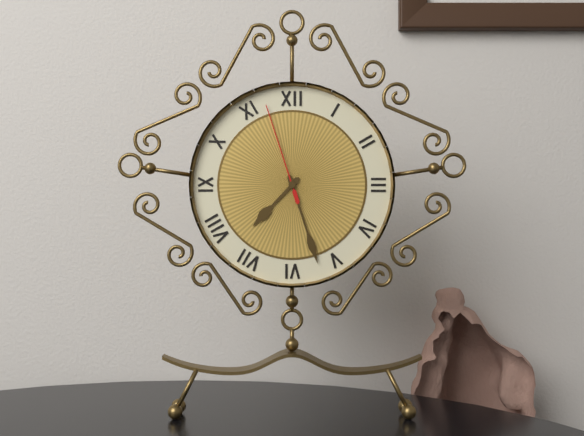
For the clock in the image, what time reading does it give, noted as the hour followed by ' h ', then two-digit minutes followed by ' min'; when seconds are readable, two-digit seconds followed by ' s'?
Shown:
7 h 27 min 57 s
